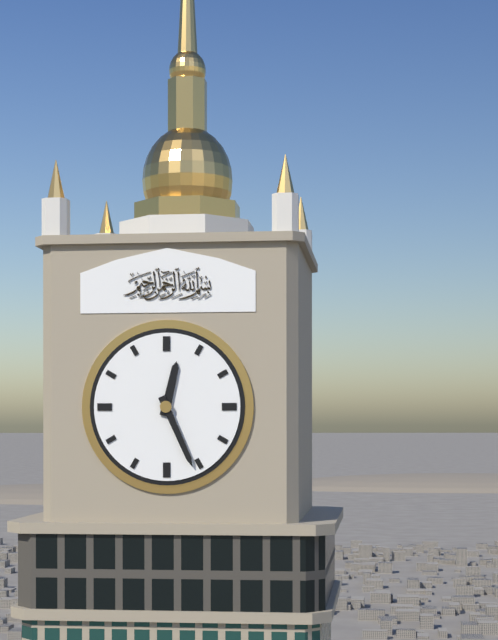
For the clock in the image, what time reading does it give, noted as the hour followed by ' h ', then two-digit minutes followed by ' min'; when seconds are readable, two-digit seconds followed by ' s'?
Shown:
12 h 26 min
